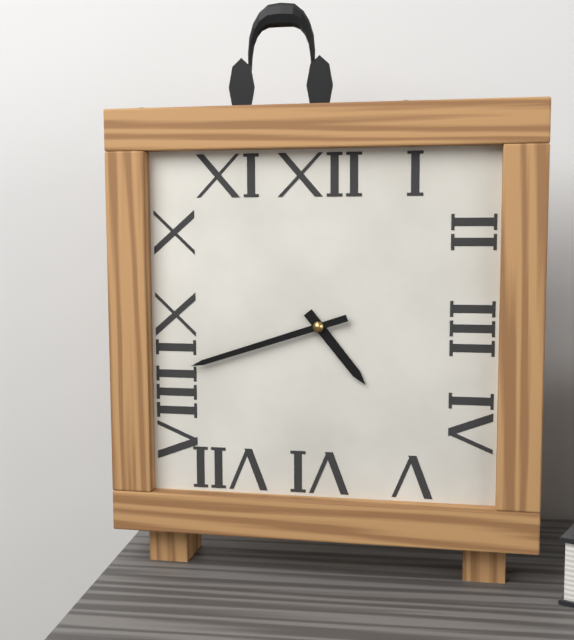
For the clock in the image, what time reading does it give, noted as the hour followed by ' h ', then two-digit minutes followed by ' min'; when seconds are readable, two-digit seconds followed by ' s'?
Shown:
4 h 42 min
